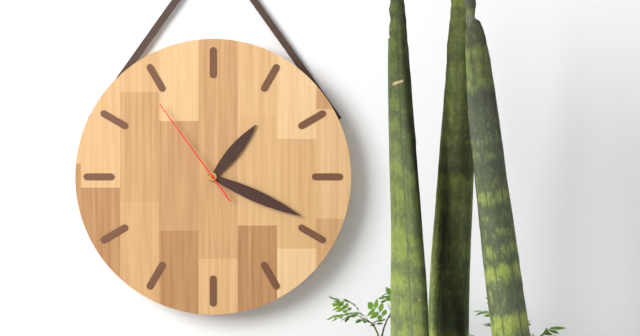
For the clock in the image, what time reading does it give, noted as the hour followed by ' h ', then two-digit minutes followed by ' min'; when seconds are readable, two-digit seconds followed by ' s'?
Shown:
1 h 19 min 54 s
